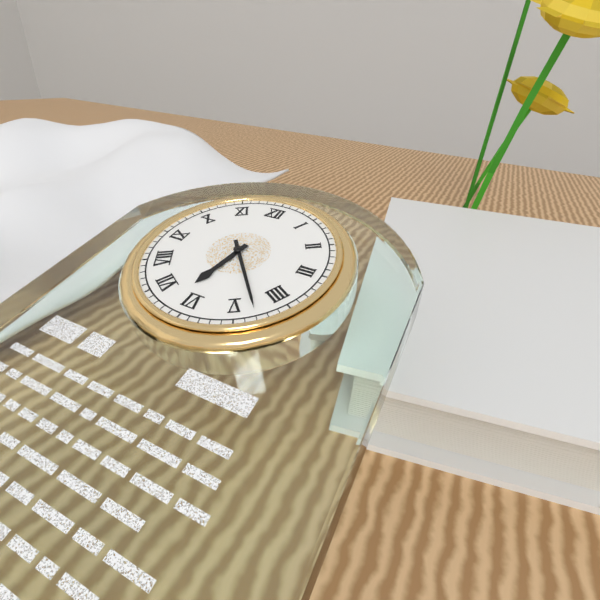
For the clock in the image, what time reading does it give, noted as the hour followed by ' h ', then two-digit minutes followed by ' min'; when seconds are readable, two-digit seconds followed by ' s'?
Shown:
6 h 23 min
